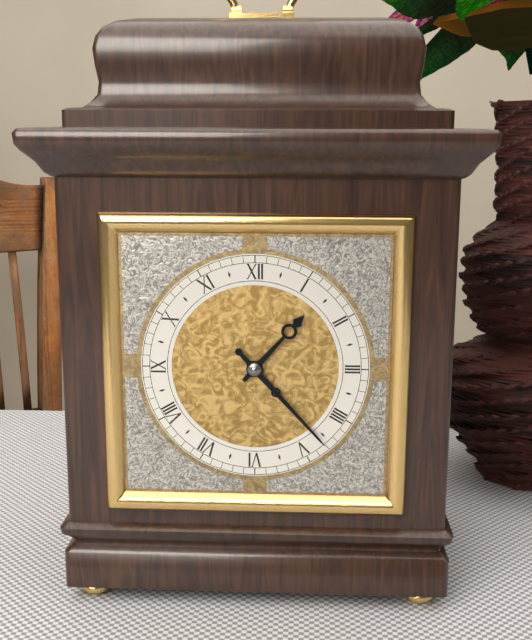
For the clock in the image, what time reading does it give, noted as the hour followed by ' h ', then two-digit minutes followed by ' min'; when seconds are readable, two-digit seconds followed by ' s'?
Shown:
1 h 23 min
